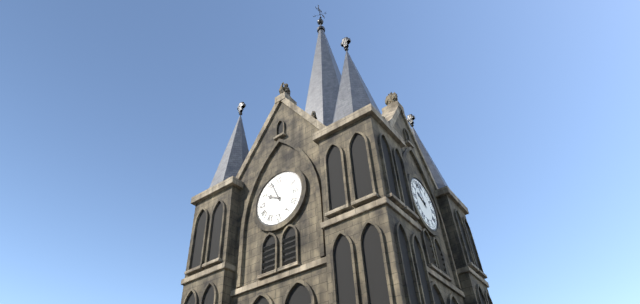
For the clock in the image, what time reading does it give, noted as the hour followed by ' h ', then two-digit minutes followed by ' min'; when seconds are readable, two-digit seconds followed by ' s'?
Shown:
9 h 56 min
